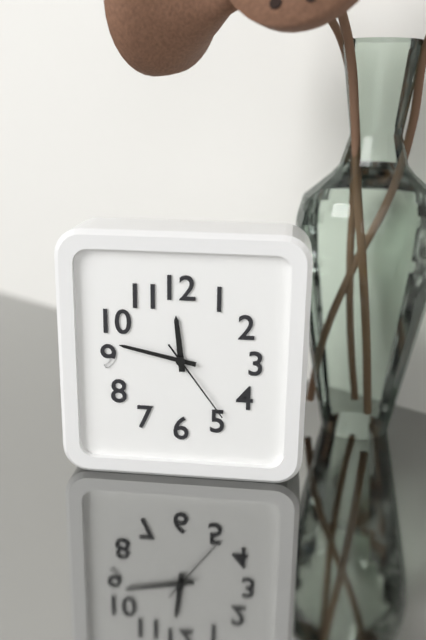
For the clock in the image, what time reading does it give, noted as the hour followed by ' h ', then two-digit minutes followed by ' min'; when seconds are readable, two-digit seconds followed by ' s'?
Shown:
11 h 47 min 24 s
